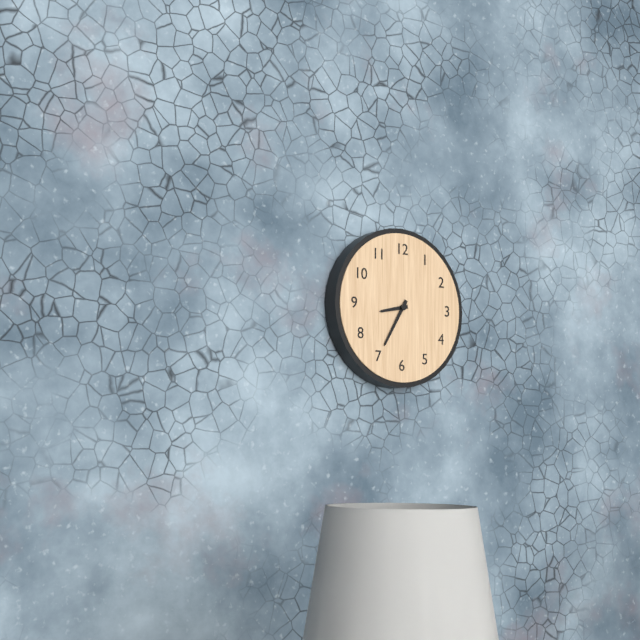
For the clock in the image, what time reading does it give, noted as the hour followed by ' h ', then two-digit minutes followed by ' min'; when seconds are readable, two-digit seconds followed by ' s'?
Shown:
8 h 35 min
